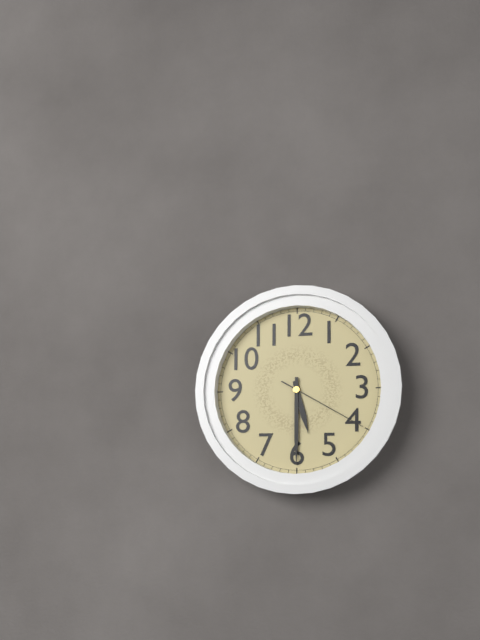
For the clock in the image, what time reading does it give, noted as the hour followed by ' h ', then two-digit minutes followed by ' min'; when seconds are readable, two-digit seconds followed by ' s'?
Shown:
5 h 30 min 20 s
